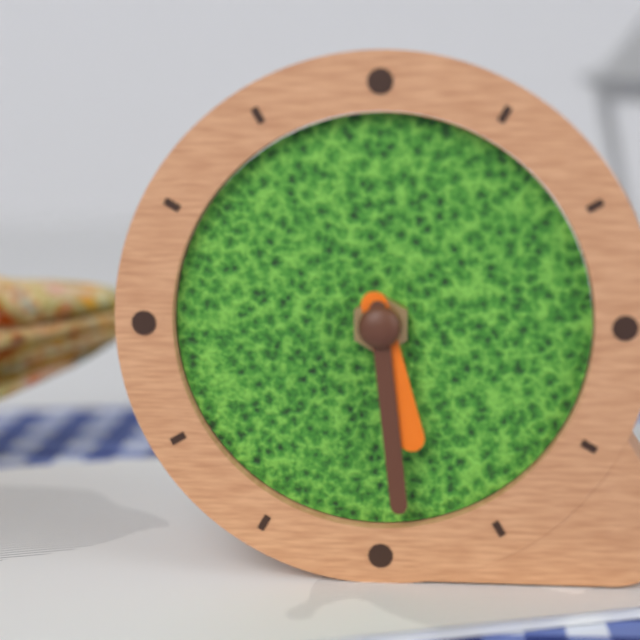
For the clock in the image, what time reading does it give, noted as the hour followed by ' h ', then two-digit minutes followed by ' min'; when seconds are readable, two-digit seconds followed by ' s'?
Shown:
5 h 29 min
